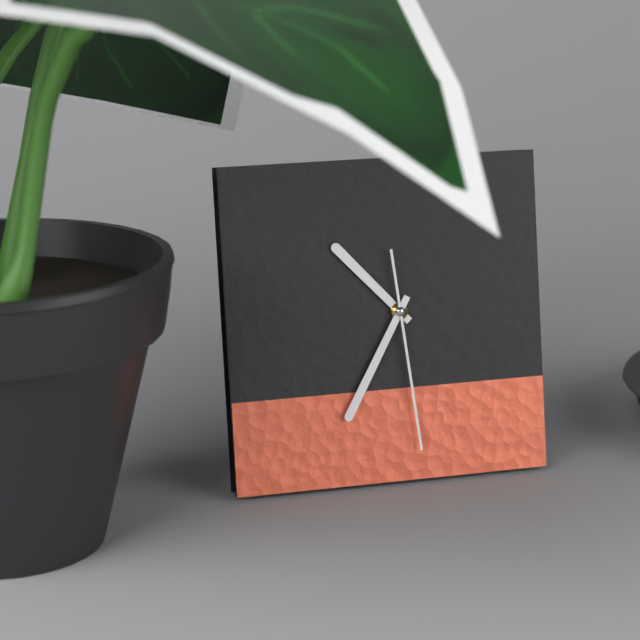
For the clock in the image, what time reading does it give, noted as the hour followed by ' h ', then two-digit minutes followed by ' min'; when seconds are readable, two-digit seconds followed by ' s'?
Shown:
10 h 35 min 29 s
